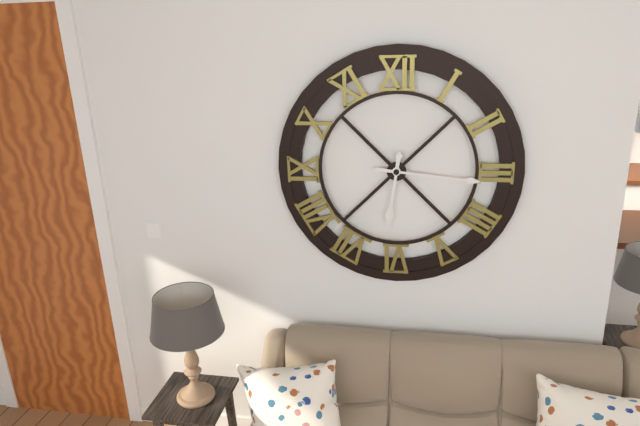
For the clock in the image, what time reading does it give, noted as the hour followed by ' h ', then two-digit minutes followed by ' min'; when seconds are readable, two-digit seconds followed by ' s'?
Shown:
6 h 16 min
